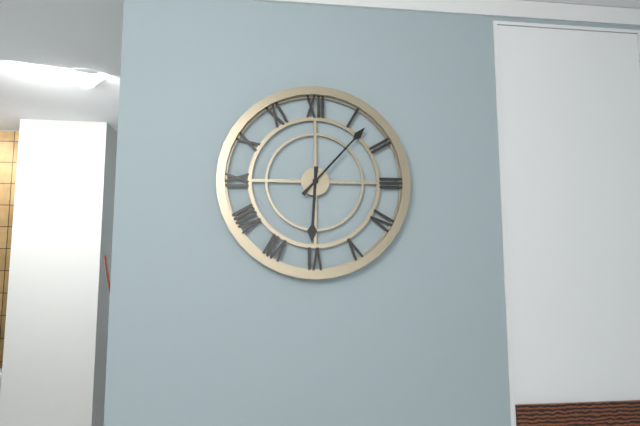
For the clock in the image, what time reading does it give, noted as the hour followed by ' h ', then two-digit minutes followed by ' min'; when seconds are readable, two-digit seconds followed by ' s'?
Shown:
6 h 07 min
